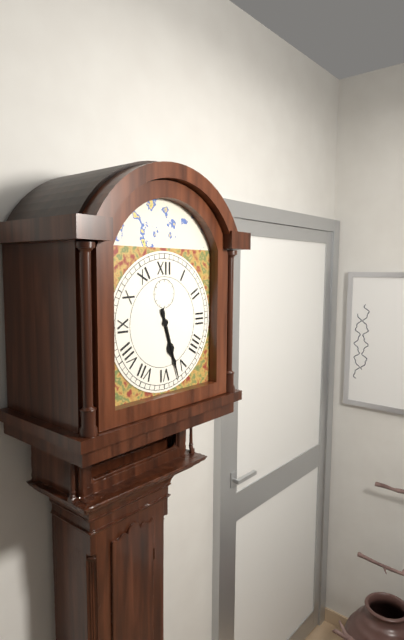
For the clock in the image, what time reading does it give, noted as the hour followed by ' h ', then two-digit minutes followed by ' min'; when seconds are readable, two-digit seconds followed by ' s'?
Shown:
5 h 27 min
